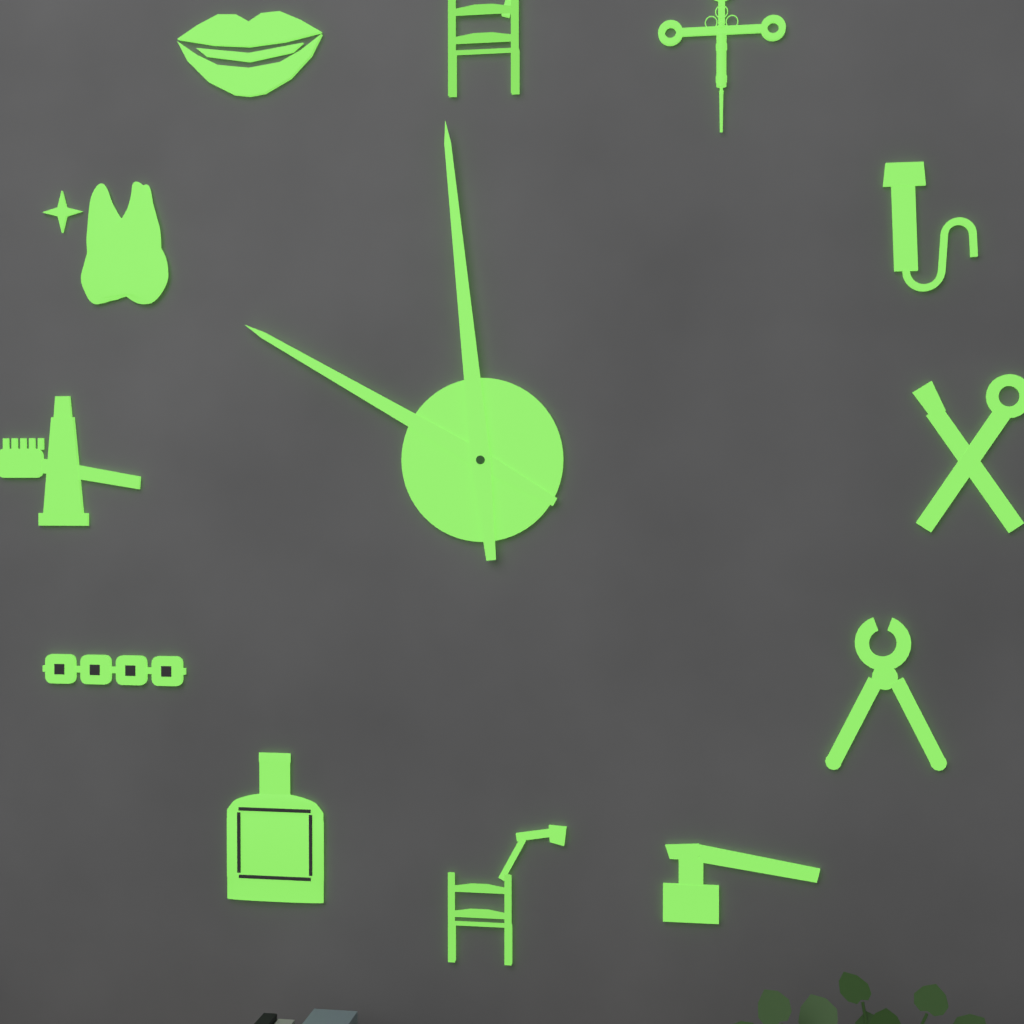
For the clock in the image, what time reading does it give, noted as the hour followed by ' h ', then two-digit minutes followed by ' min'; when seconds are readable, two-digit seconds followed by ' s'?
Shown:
9 h 59 min
